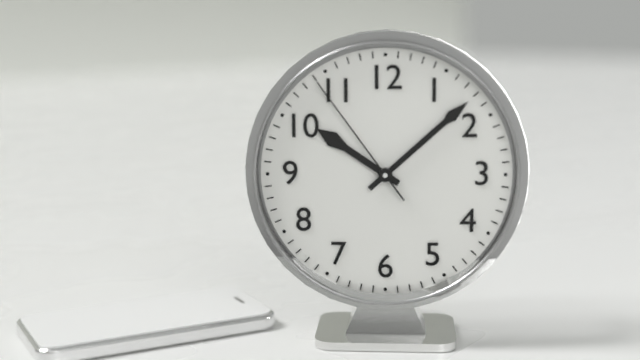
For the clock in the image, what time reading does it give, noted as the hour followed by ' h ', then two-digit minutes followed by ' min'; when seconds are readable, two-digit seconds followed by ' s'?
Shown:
10 h 08 min 54 s
